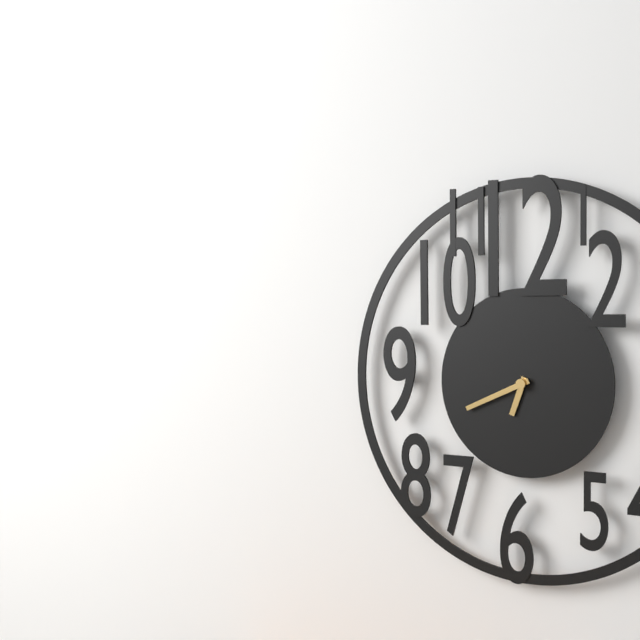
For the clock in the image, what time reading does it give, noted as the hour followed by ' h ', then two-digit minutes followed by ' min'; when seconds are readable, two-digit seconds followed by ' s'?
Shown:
6 h 41 min
